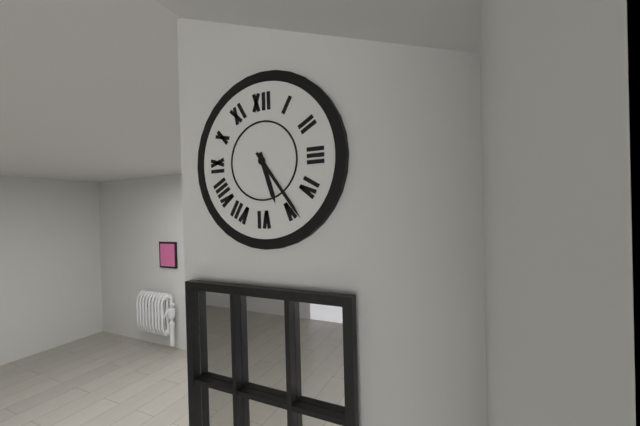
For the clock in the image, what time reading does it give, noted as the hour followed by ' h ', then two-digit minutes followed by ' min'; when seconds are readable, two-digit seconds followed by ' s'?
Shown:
5 h 24 min
